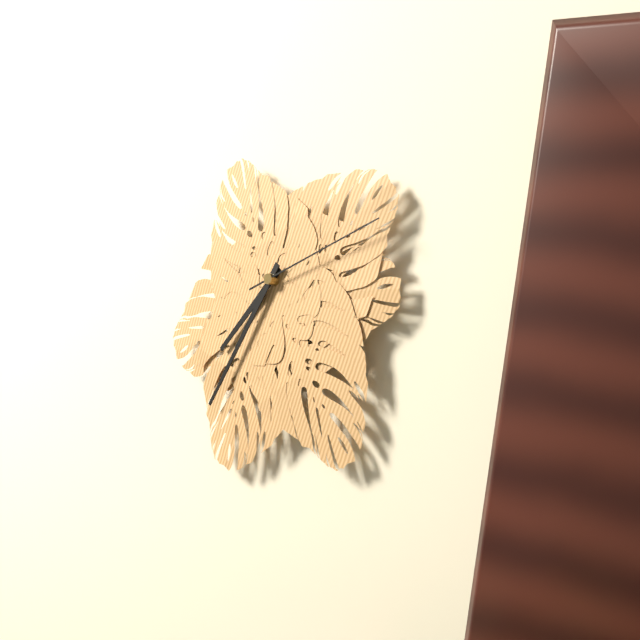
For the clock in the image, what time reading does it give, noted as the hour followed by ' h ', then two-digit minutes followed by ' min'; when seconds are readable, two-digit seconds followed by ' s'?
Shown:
7 h 36 min 12 s
